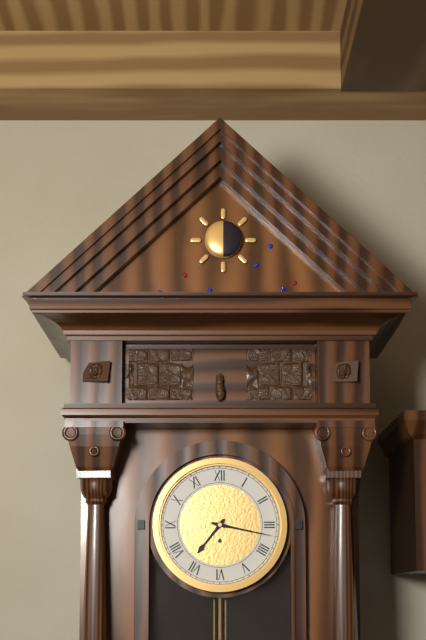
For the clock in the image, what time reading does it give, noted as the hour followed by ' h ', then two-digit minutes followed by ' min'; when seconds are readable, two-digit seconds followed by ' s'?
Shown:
7 h 17 min
